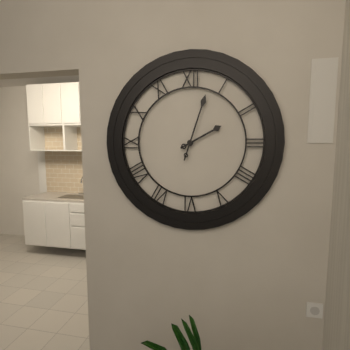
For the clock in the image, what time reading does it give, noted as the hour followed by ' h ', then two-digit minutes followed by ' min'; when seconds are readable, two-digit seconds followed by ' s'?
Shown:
2 h 03 min
